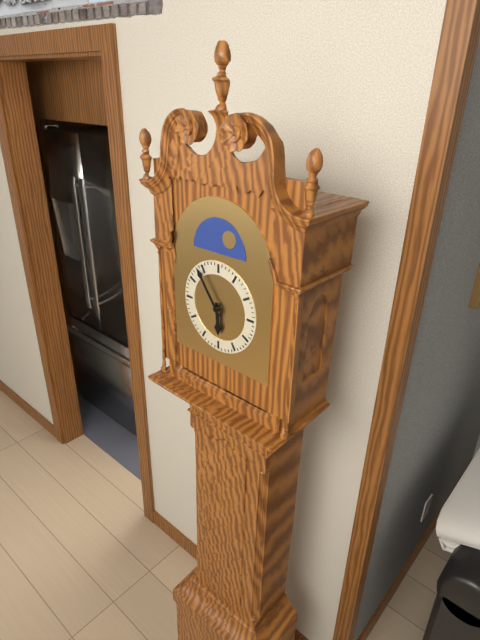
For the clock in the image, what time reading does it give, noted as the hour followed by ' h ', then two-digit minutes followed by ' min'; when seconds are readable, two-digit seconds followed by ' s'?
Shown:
5 h 54 min
